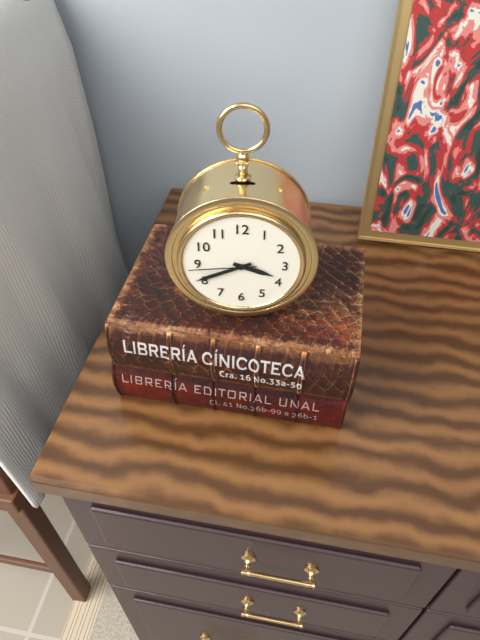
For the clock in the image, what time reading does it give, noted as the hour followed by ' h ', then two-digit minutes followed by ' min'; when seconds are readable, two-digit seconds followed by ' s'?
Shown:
3 h 41 min 44 s
